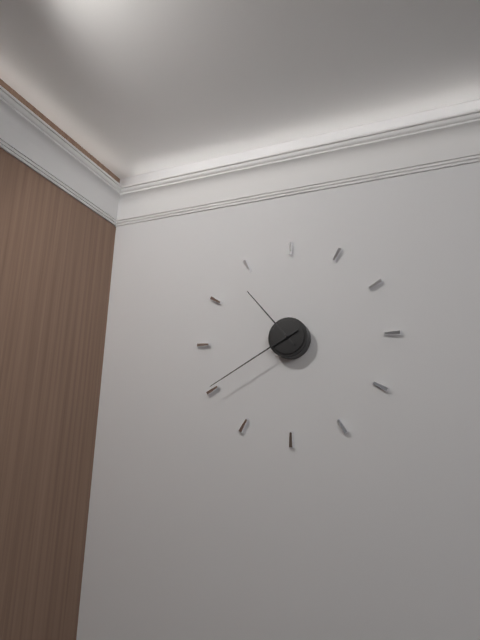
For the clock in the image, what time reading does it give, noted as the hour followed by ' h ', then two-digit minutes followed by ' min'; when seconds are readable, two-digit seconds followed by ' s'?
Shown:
10 h 40 min
